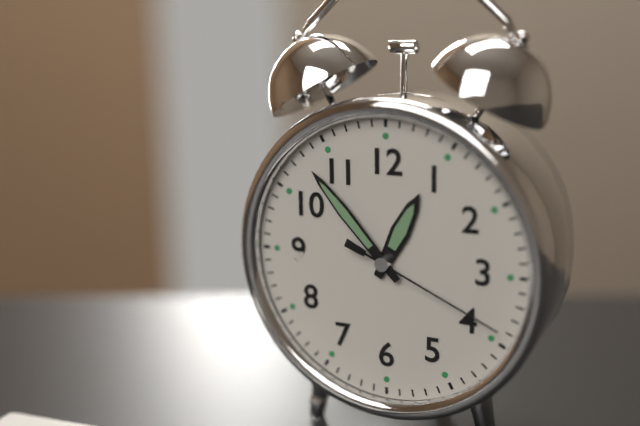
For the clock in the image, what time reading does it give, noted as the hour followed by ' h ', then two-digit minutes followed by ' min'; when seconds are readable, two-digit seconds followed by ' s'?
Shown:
12 h 53 min 19 s
